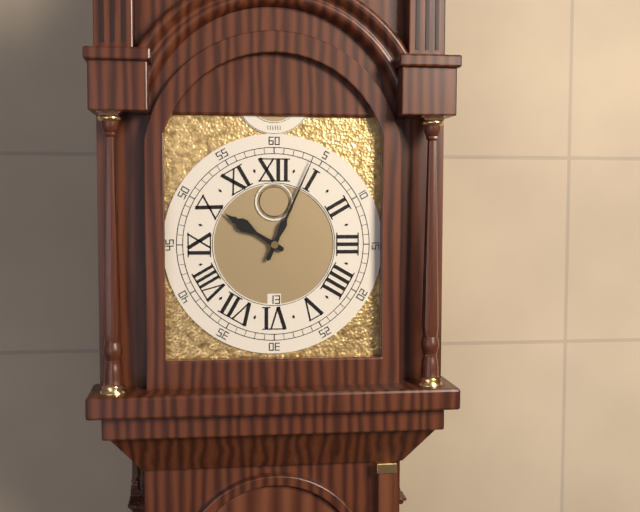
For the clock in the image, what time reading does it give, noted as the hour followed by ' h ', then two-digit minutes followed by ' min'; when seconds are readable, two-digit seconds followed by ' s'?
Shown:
10 h 04 min
